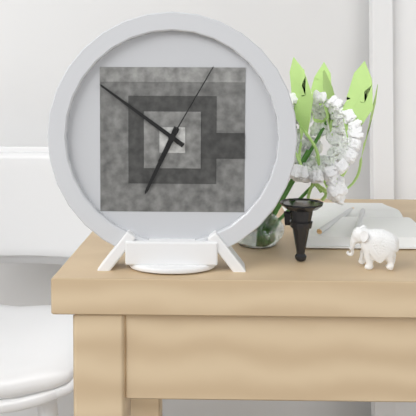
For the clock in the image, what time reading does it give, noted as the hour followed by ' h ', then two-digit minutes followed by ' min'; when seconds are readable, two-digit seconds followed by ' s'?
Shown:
6 h 51 min 05 s
